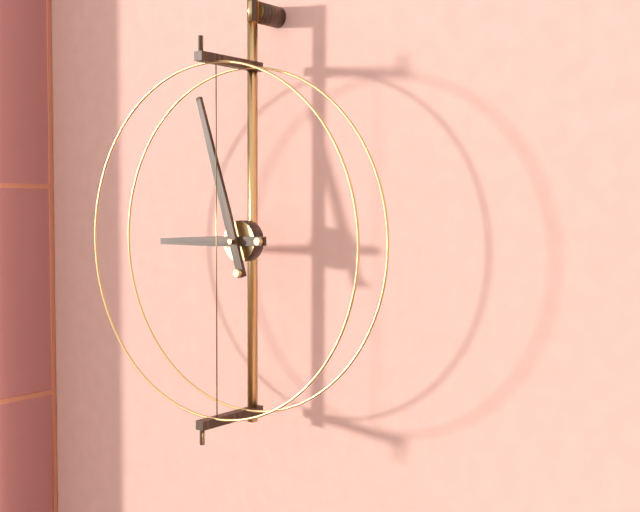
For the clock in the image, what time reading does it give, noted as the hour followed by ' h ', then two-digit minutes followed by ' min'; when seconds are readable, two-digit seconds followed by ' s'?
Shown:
8 h 57 min
